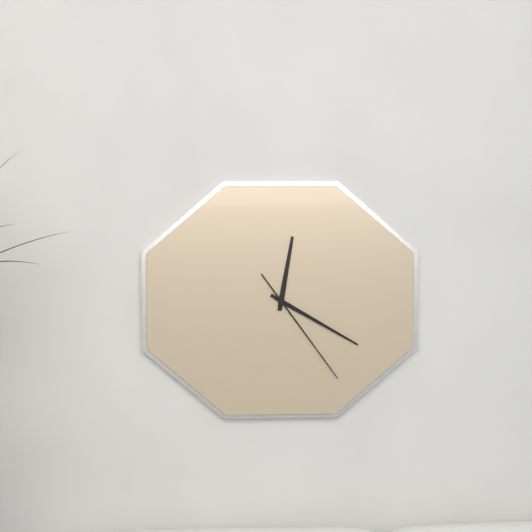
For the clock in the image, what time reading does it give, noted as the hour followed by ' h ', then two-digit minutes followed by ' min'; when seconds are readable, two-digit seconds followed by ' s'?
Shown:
12 h 20 min 24 s
